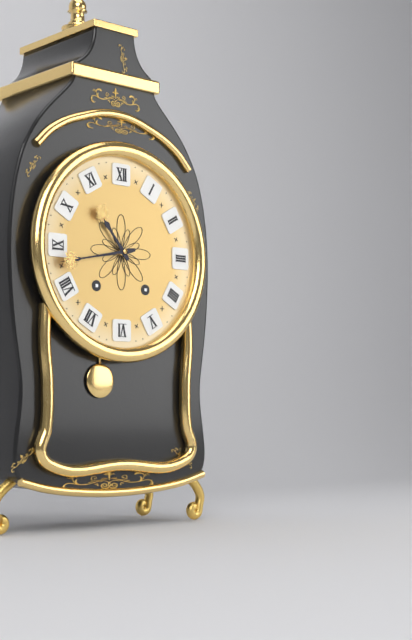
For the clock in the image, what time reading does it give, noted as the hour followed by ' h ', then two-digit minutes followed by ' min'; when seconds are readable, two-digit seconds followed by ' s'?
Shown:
10 h 43 min
